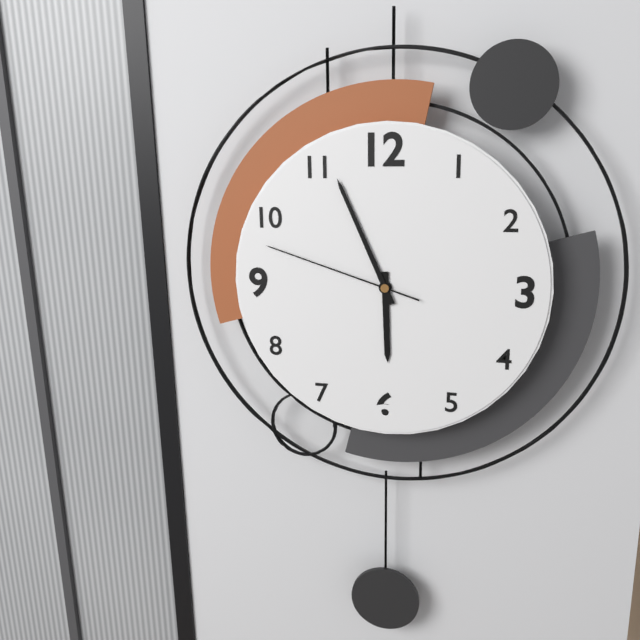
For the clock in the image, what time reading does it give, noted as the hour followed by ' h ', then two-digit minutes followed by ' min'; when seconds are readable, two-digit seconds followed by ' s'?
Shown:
5 h 56 min 48 s
